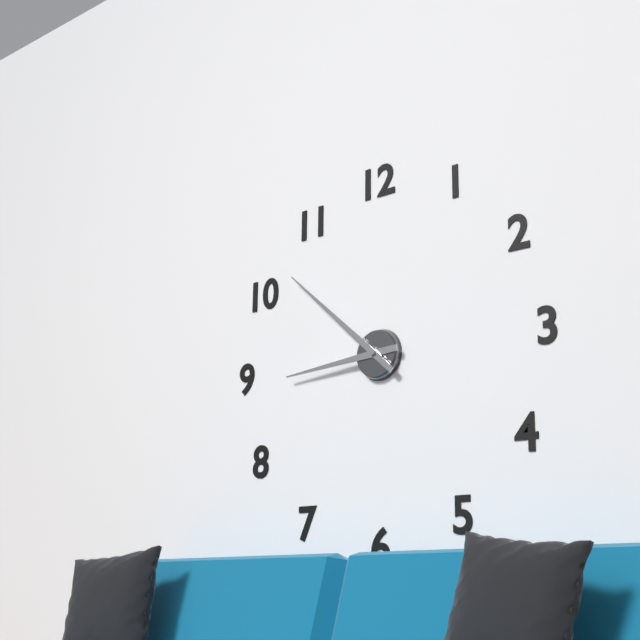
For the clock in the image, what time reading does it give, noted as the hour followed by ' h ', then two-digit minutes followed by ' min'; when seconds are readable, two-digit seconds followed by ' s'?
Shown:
8 h 52 min
